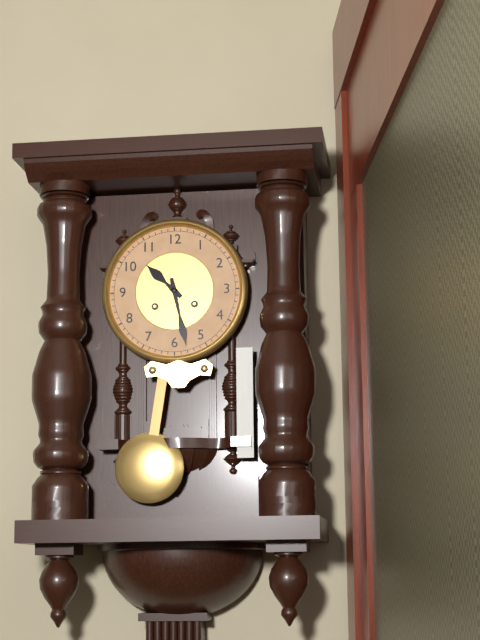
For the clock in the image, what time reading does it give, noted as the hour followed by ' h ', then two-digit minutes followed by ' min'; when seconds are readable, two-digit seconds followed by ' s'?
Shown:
10 h 28 min
